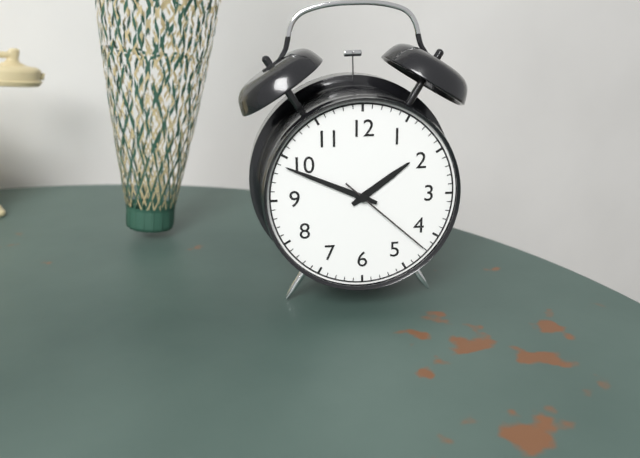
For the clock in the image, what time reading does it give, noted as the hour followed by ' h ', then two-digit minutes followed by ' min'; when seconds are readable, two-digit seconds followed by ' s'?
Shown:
1 h 49 min 22 s
